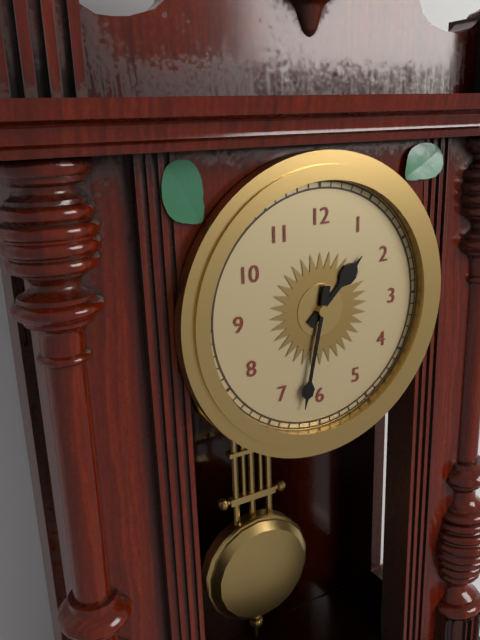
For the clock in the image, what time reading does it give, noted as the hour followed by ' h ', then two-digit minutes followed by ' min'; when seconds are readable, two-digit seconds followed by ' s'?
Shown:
1 h 32 min
